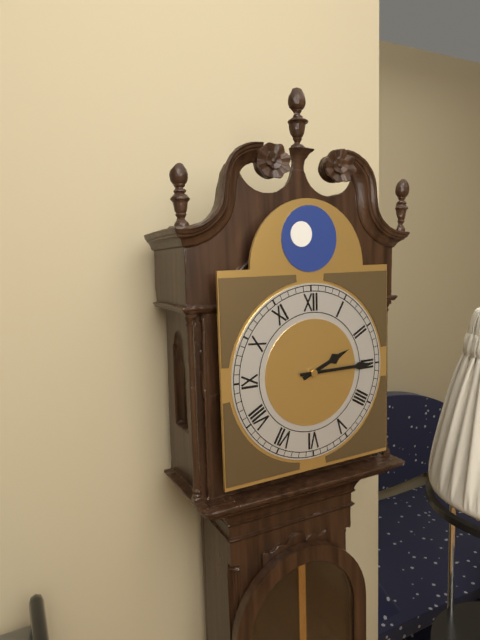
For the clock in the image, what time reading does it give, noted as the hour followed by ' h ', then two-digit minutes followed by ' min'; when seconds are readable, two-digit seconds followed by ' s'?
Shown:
2 h 15 min
